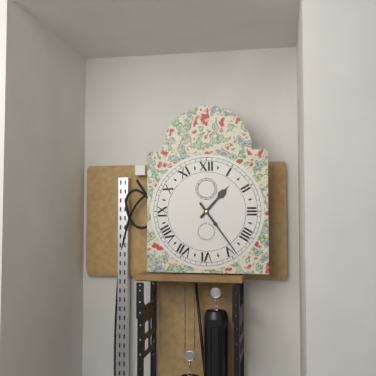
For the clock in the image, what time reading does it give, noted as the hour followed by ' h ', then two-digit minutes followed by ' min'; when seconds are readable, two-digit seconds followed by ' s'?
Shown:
1 h 24 min
